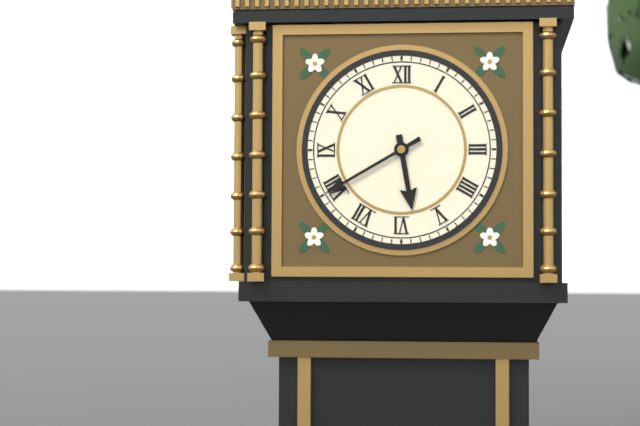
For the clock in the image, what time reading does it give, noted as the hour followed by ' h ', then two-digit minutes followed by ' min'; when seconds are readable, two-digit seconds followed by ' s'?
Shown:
5 h 40 min
